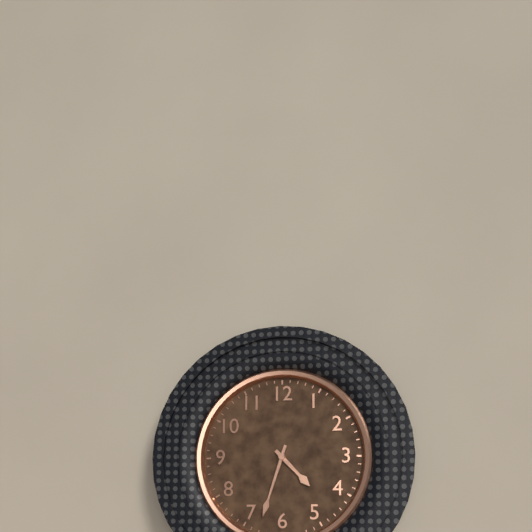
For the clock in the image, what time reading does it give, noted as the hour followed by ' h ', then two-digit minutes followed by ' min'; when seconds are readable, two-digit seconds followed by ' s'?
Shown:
4 h 33 min
